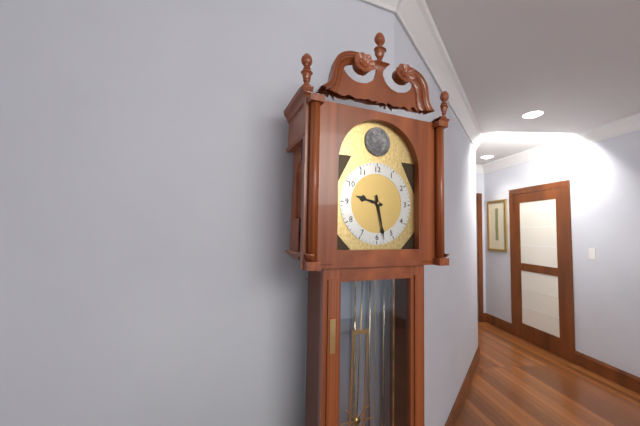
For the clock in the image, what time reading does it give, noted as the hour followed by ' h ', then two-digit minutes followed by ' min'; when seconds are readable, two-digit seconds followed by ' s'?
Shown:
9 h 28 min
